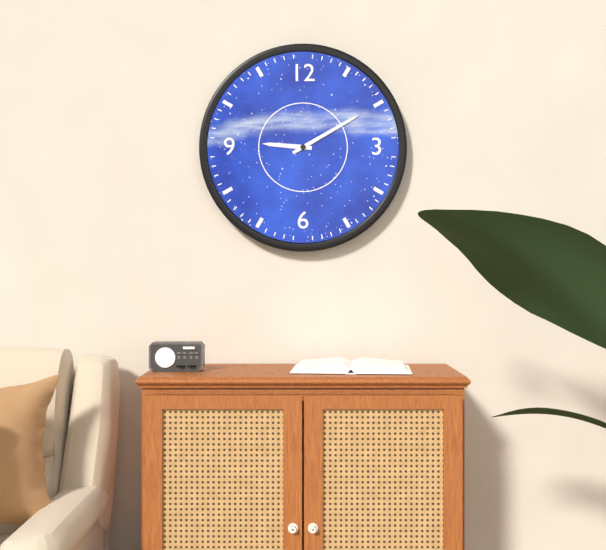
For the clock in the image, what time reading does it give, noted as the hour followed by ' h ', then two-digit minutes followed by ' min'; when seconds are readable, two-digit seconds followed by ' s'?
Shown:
9 h 10 min
